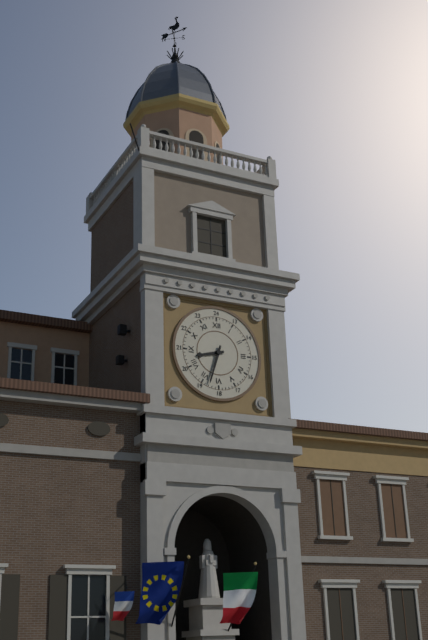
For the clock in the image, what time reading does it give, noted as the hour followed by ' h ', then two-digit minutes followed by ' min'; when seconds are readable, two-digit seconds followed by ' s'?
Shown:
8 h 33 min
